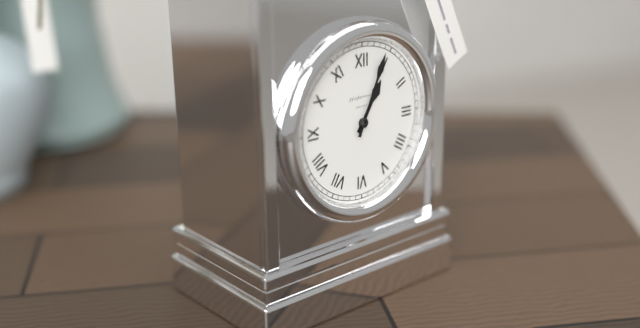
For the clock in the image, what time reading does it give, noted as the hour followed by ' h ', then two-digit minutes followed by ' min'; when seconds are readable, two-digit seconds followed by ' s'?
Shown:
1 h 04 min
